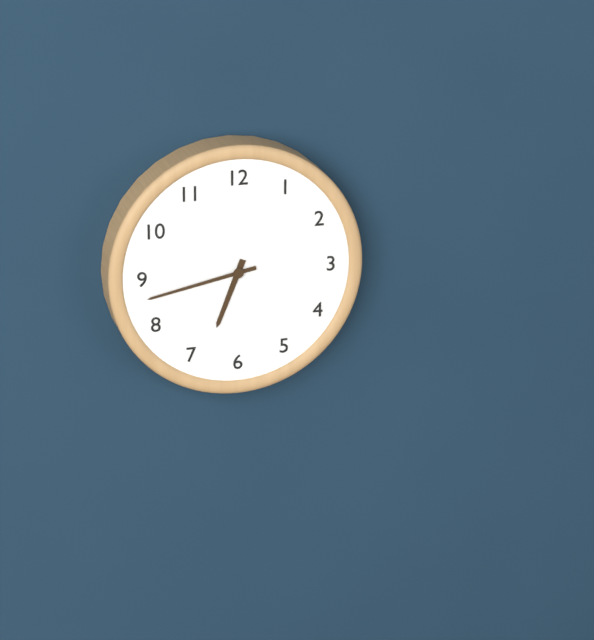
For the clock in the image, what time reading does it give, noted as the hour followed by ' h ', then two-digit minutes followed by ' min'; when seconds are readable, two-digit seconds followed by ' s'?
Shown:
6 h 43 min
